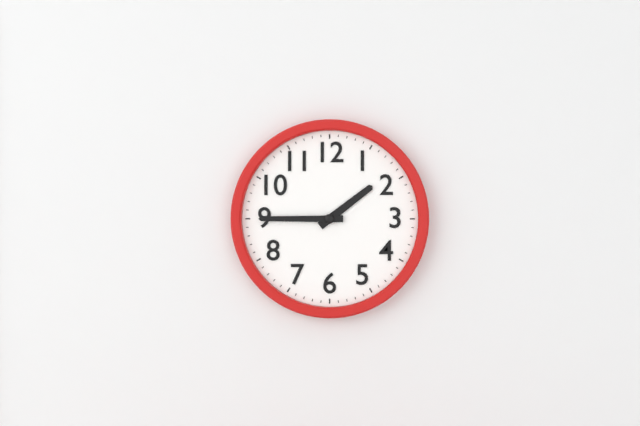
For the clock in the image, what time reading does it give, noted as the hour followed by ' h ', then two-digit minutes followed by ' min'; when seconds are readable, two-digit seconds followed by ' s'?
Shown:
1 h 45 min
